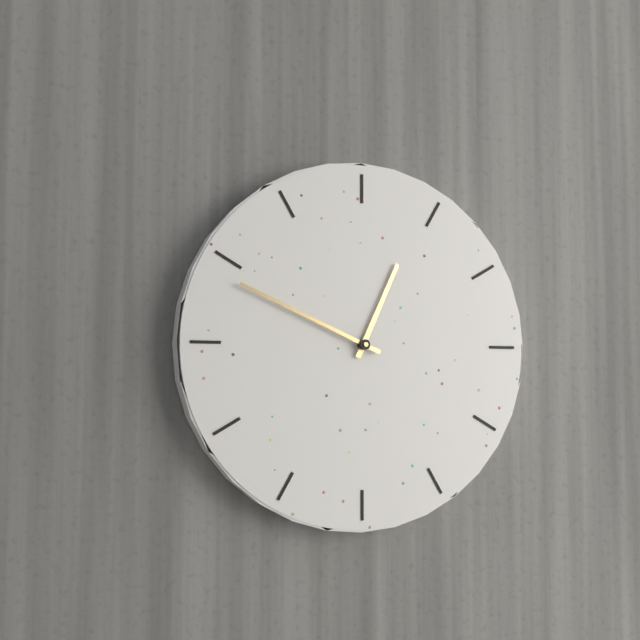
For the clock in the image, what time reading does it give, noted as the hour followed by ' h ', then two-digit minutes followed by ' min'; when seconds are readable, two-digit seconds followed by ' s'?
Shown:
12 h 49 min
